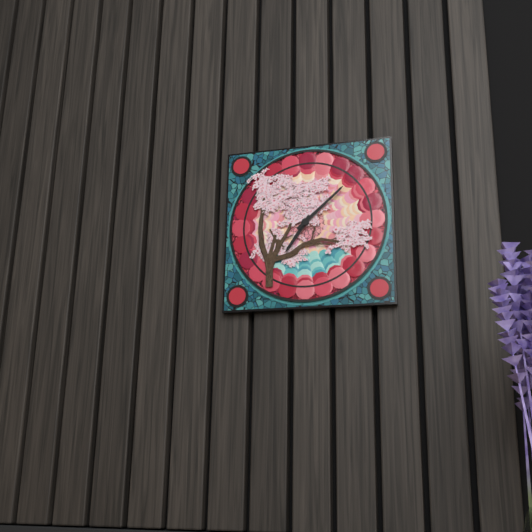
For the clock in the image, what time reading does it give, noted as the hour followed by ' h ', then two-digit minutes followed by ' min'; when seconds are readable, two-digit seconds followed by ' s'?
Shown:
7 h 08 min
